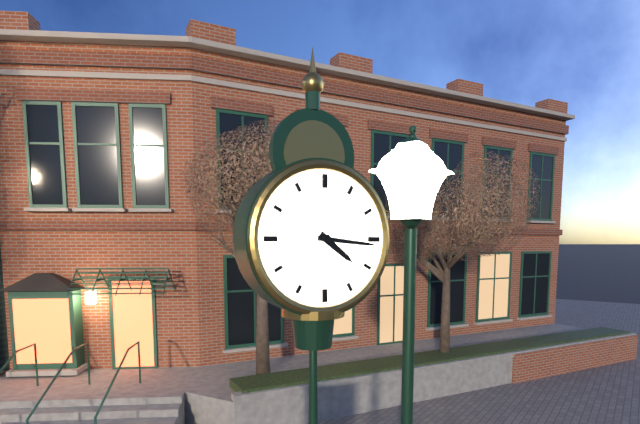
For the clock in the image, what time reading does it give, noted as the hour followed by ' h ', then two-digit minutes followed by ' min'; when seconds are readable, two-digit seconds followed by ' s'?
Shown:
4 h 16 min
